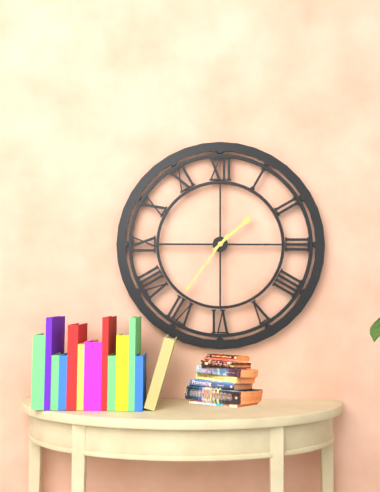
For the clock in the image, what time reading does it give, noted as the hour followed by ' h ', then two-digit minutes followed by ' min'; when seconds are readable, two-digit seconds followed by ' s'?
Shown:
1 h 36 min
